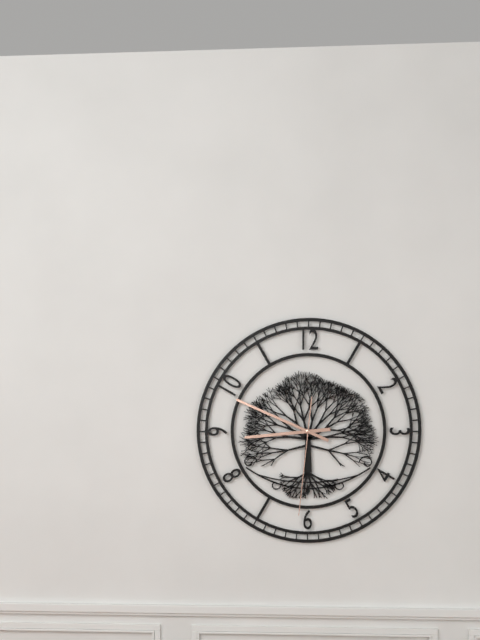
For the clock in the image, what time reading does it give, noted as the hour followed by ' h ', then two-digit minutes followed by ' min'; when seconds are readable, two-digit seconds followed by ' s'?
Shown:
8 h 49 min 31 s
